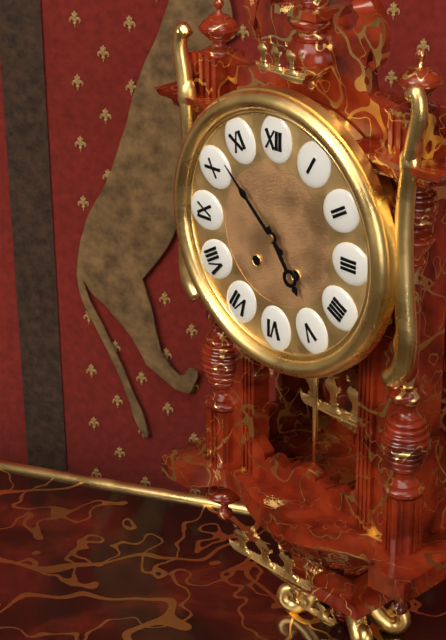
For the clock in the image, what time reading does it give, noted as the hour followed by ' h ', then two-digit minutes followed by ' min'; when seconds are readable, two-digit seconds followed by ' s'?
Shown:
4 h 52 min
